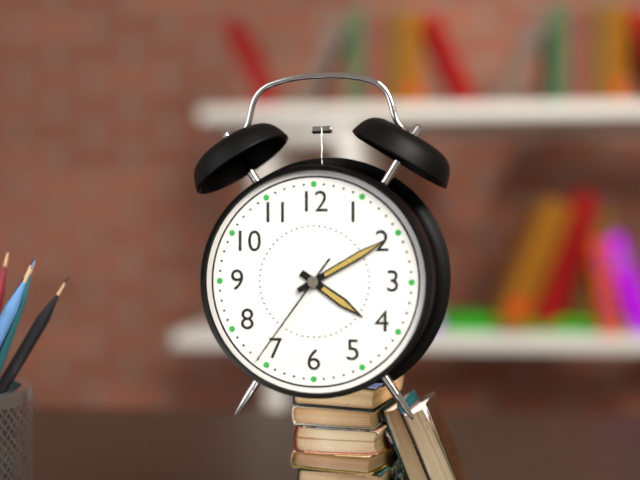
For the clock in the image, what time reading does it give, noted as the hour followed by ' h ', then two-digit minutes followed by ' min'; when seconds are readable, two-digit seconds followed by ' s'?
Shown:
4 h 10 min 36 s
